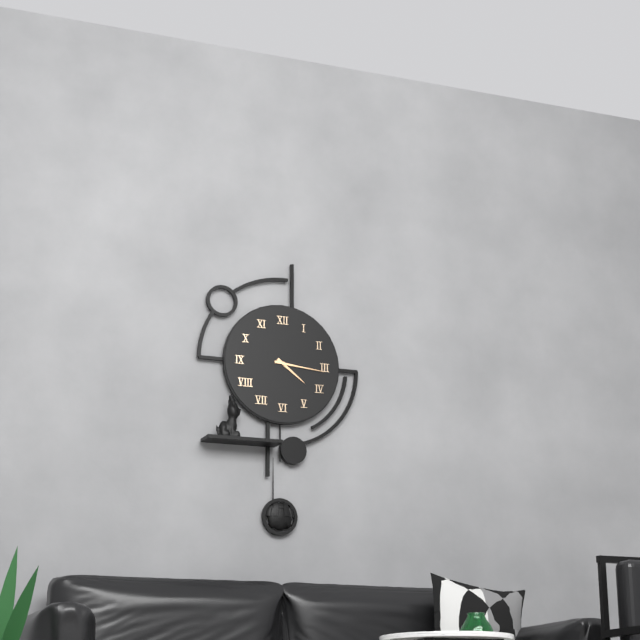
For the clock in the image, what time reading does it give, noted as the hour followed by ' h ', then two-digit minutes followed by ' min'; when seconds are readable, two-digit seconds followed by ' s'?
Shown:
4 h 16 min
